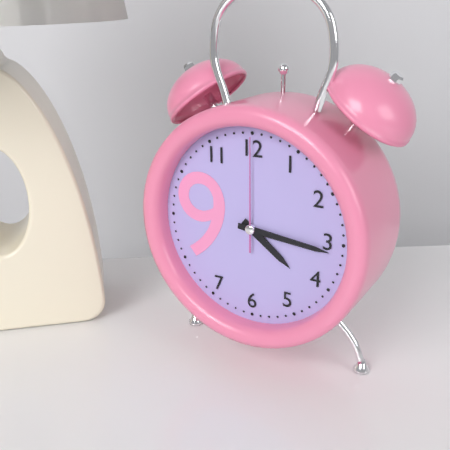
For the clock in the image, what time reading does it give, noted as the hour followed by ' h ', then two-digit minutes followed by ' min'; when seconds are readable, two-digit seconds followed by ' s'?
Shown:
4 h 16 min 00 s
